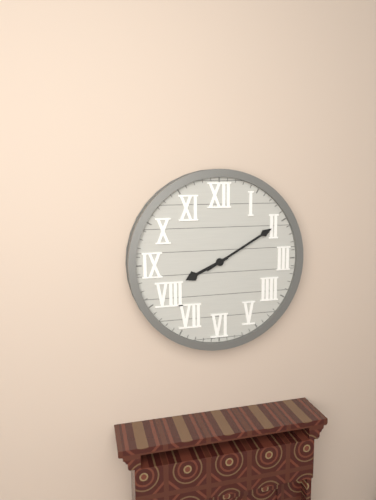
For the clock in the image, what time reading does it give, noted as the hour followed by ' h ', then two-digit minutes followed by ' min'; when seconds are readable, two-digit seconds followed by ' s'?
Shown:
8 h 10 min
